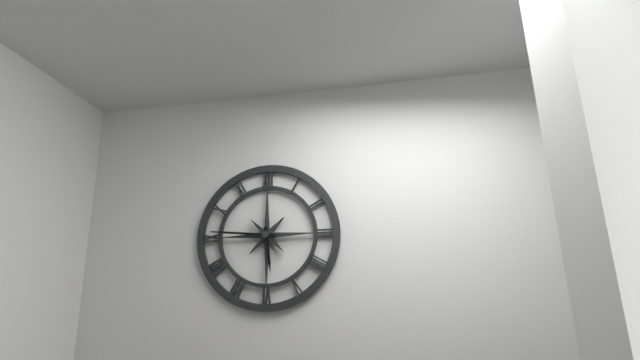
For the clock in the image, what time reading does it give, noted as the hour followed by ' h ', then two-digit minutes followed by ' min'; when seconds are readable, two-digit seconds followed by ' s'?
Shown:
5 h 46 min
